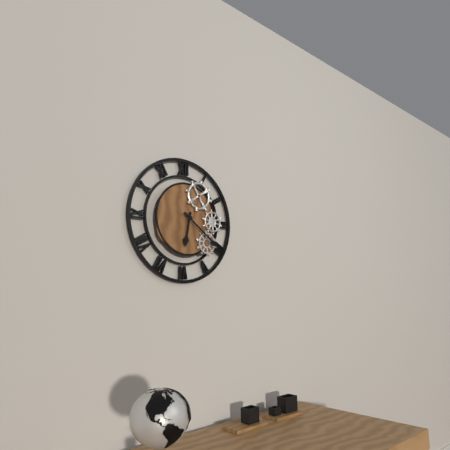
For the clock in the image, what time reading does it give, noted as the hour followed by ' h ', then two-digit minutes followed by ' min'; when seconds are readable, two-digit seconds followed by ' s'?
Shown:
6 h 21 min
